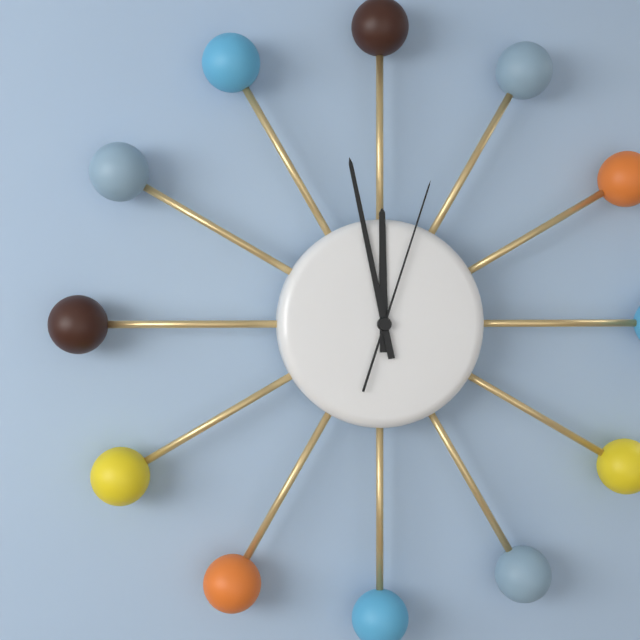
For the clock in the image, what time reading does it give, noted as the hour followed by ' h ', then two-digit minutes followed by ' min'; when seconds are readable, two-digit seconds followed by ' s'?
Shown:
11 h 58 min 03 s
